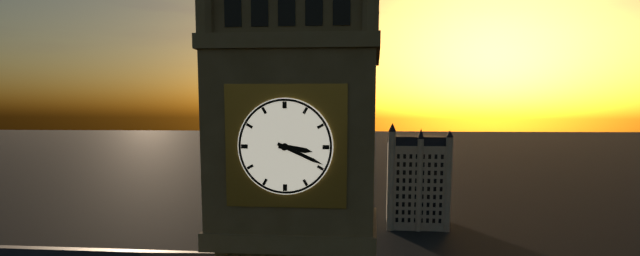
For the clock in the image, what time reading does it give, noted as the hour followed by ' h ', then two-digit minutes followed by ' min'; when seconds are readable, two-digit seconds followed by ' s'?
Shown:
3 h 19 min
